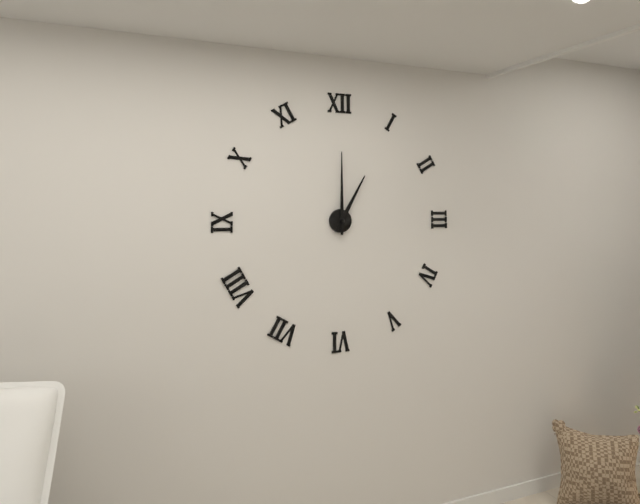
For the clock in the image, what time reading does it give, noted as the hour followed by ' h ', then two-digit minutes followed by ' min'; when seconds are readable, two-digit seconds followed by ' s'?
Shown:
1 h 00 min
